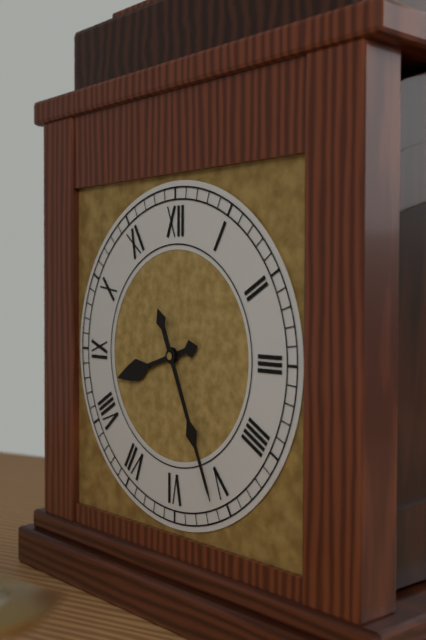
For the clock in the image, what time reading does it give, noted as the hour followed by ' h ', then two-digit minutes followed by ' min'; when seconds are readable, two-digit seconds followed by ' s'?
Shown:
8 h 26 min
